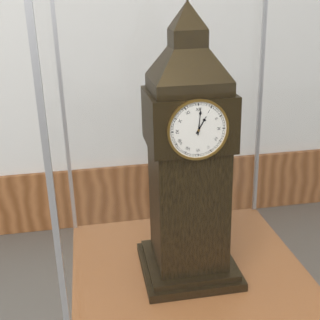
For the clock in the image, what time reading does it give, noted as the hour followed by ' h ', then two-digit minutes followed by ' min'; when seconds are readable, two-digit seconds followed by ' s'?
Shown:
1 h 01 min
